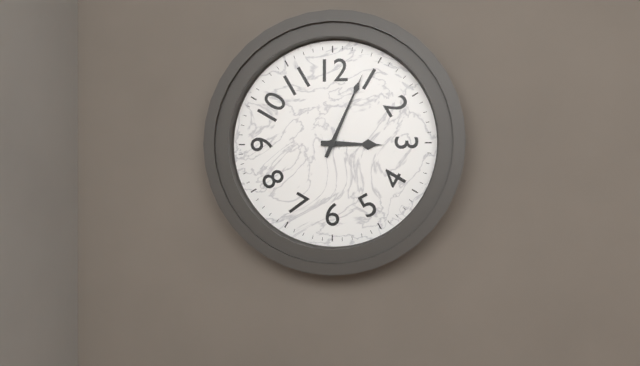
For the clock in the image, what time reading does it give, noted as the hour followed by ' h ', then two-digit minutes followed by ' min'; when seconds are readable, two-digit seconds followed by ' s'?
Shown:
3 h 04 min
